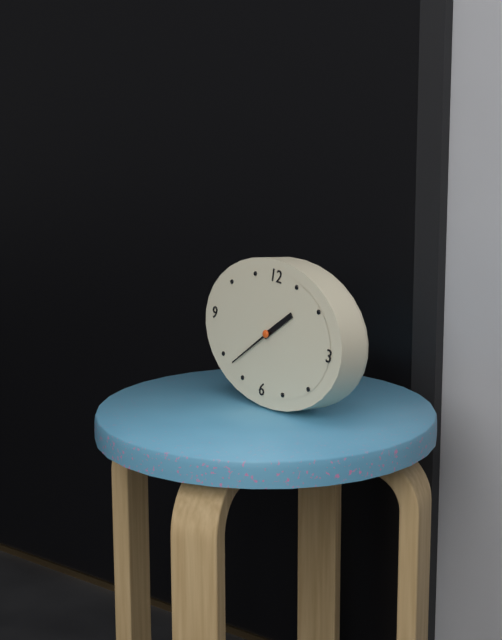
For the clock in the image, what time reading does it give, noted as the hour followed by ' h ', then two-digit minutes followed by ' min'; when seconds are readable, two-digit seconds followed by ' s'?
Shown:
1 h 38 min
